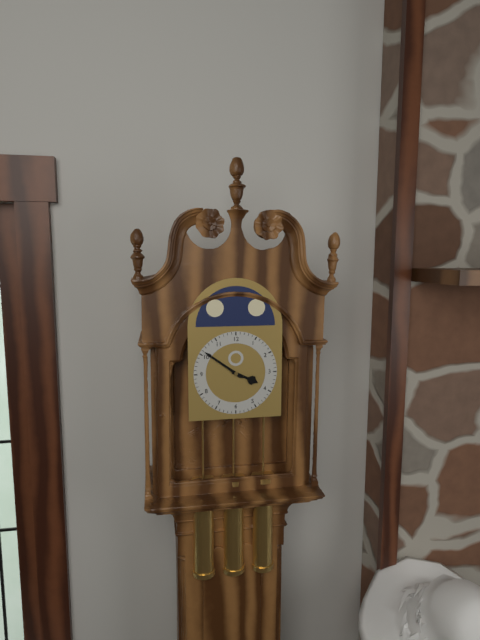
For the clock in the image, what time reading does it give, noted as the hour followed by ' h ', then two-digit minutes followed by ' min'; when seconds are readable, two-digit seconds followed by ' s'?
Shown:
3 h 51 min
